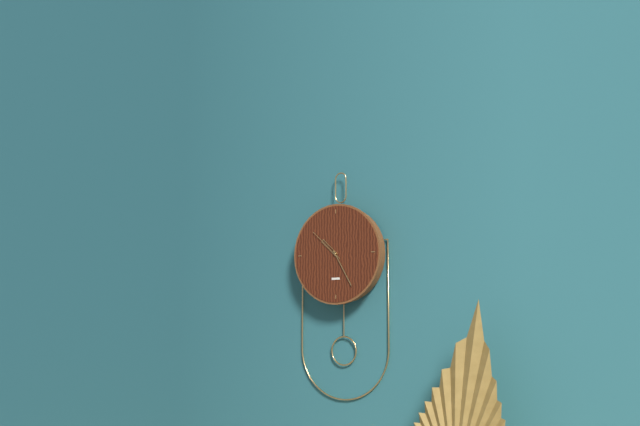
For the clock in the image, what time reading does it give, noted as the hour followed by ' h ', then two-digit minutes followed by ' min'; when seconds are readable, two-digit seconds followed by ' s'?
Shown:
10 h 25 min
